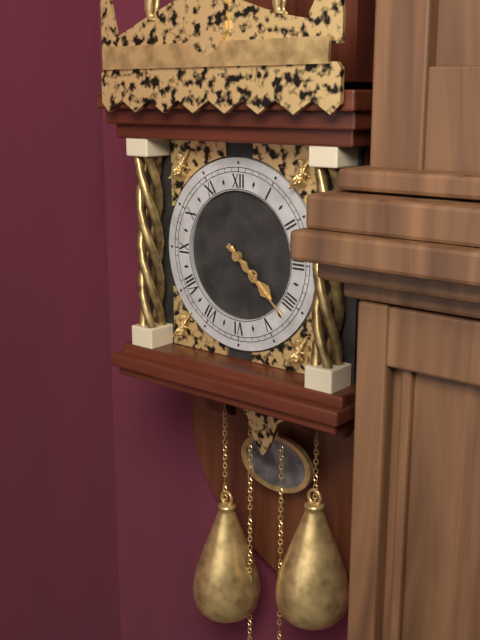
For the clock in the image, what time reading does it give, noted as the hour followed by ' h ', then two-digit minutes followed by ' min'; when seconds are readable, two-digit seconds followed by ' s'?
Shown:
4 h 22 min
